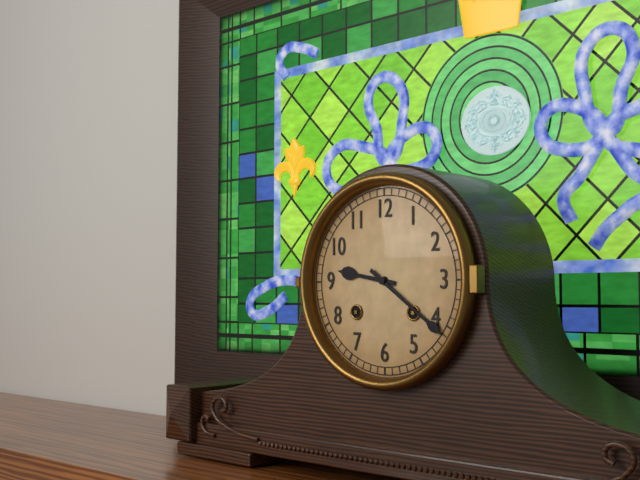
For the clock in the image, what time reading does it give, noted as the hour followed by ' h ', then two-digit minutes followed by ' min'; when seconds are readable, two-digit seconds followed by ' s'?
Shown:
9 h 21 min
